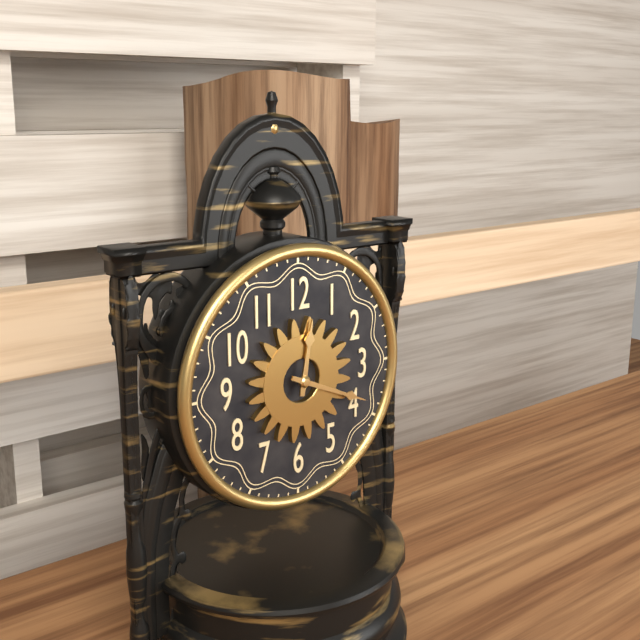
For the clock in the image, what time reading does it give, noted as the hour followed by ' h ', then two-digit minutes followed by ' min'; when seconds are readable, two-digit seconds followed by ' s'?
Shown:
12 h 19 min
